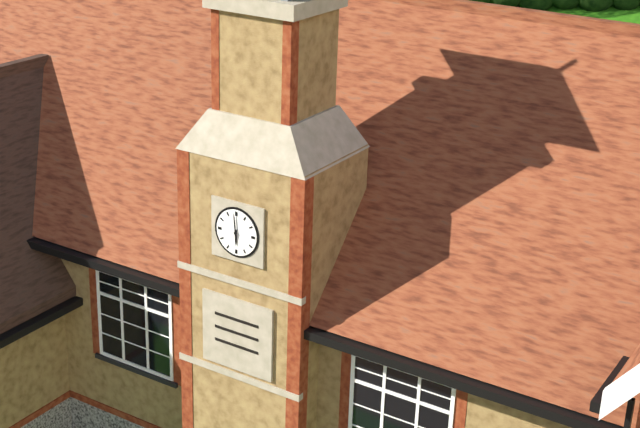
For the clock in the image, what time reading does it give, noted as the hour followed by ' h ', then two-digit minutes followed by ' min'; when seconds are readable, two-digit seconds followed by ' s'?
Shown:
5 h 59 min
